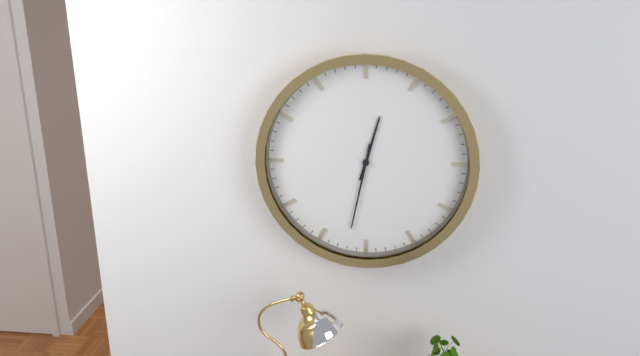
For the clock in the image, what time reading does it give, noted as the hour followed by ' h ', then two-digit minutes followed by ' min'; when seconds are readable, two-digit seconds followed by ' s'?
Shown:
12 h 32 min
